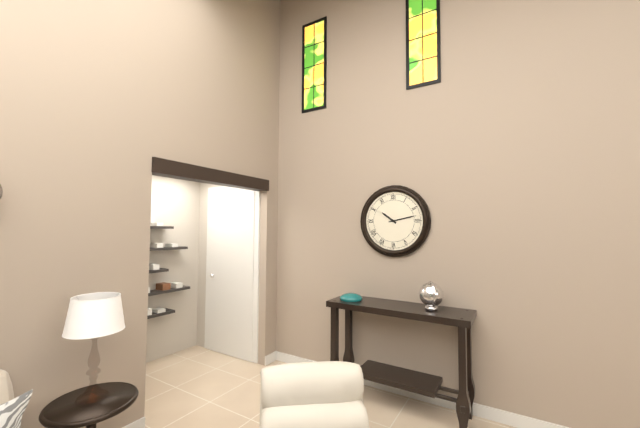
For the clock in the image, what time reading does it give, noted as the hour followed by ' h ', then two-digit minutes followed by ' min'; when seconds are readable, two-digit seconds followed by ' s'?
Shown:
10 h 13 min
